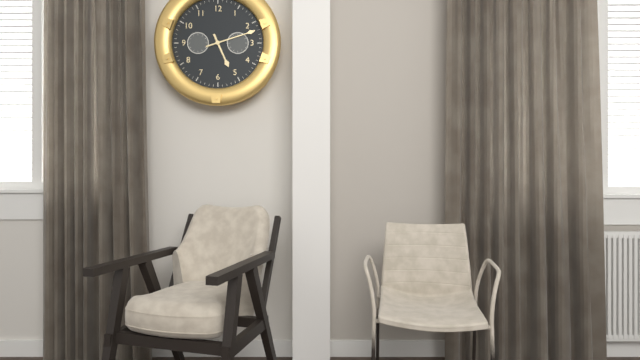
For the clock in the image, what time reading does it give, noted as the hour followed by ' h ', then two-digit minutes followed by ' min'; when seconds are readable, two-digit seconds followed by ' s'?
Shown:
5 h 12 min
